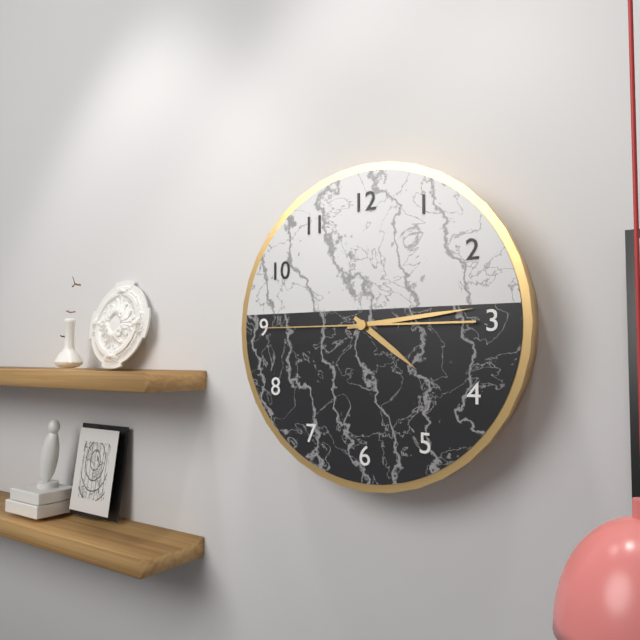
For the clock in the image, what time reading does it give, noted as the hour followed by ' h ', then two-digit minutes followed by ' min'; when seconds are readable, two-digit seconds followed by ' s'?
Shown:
4 h 14 min 45 s
